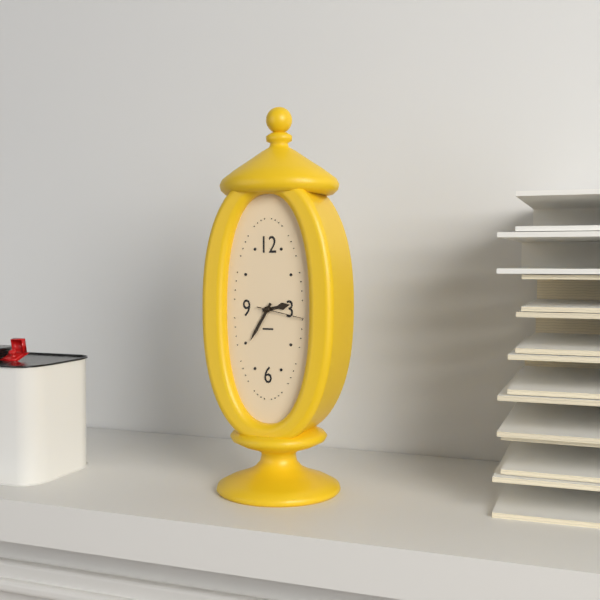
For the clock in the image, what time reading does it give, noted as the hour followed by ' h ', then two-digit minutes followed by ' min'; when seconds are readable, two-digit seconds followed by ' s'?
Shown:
2 h 35 min
